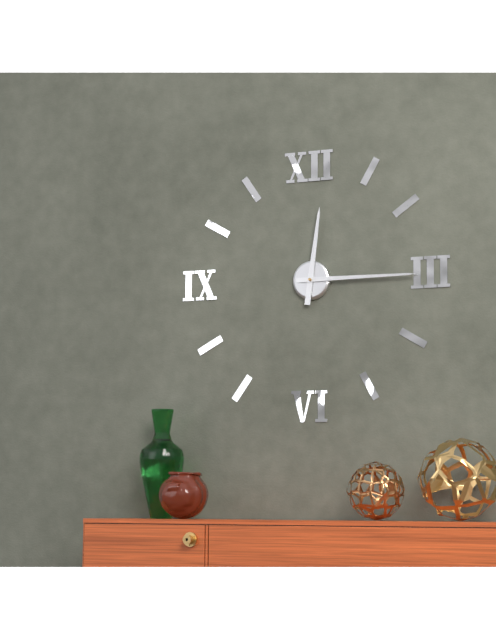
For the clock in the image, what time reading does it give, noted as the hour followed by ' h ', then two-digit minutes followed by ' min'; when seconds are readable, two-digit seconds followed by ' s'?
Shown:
12 h 15 min
